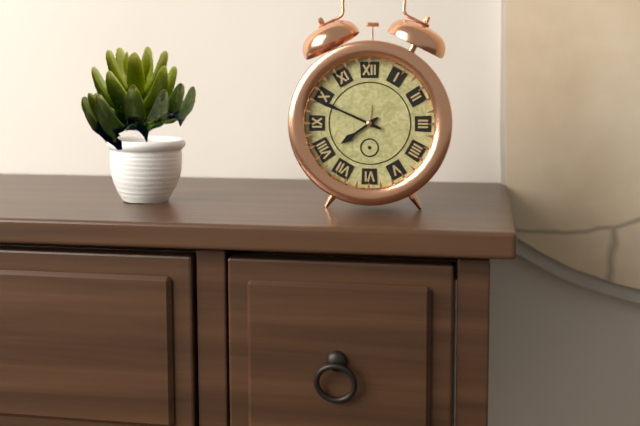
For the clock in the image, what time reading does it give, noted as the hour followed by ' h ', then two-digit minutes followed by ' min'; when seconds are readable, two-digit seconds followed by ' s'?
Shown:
7 h 49 min
